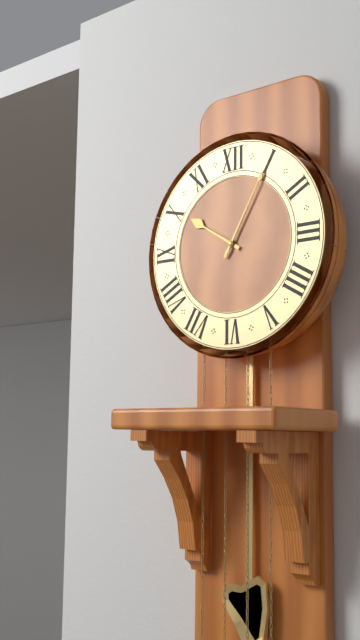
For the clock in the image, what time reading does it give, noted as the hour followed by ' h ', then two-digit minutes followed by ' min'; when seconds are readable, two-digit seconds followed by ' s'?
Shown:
10 h 05 min
